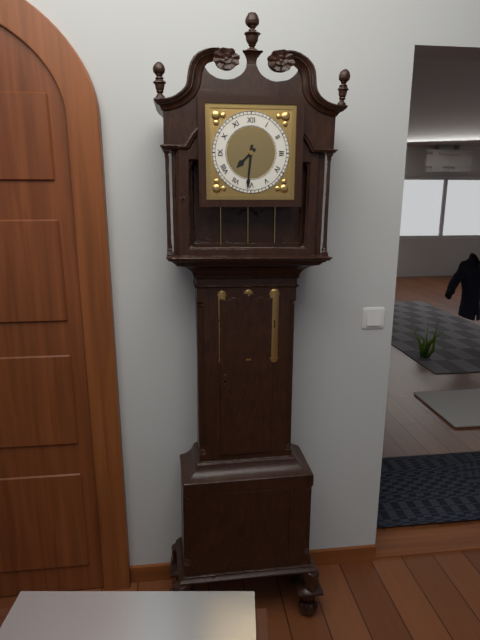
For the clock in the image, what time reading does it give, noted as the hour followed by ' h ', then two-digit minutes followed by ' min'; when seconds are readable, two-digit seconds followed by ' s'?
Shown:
7 h 31 min
